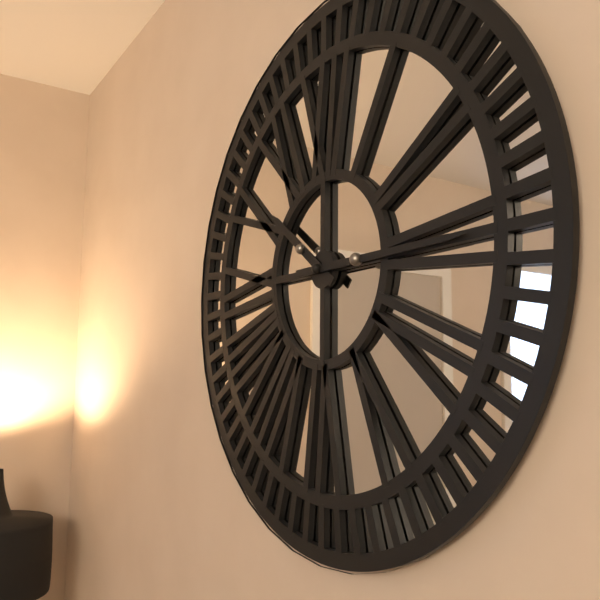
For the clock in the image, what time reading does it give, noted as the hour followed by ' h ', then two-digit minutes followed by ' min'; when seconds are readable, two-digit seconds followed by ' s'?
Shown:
10 h 15 min
